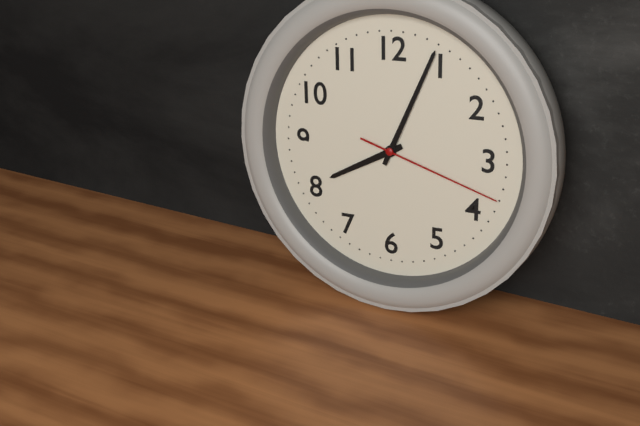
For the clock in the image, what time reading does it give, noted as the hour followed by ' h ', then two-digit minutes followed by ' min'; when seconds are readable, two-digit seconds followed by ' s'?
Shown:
8 h 04 min 18 s
